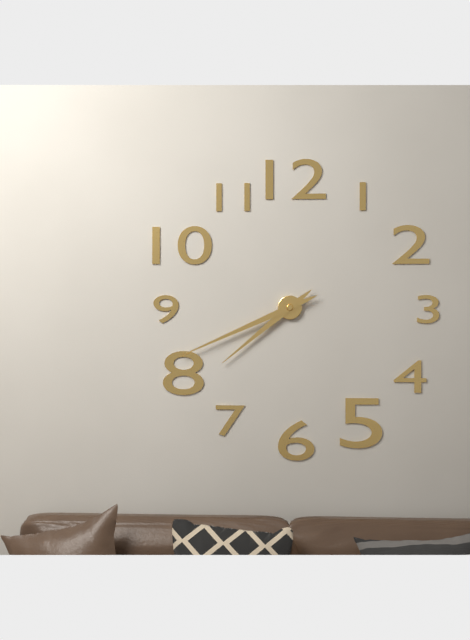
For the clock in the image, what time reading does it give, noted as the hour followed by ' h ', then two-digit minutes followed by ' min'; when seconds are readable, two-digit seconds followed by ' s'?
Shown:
7 h 41 min
